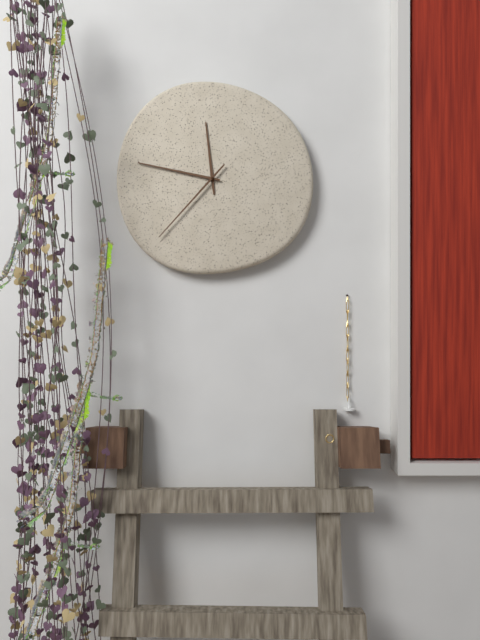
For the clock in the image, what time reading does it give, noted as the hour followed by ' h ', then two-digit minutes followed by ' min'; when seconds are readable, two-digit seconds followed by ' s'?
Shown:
11 h 47 min 37 s
